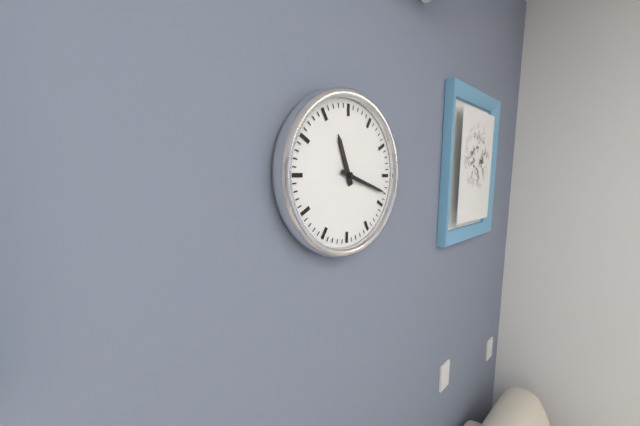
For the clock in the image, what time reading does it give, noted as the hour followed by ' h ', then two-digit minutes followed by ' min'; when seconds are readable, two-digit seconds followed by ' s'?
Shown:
11 h 18 min
